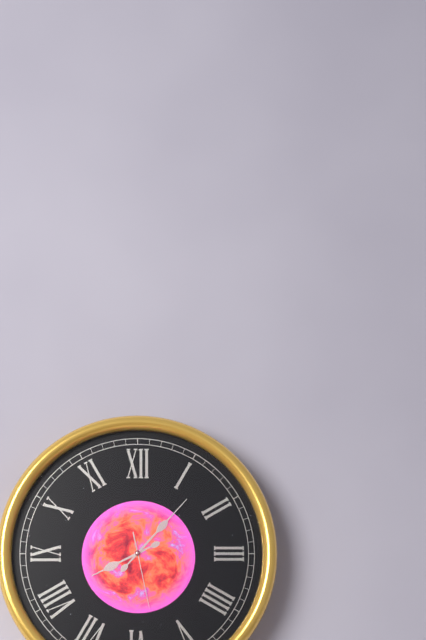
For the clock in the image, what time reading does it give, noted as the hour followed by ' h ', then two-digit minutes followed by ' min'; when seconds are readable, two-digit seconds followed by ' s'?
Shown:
8 h 07 min 28 s
